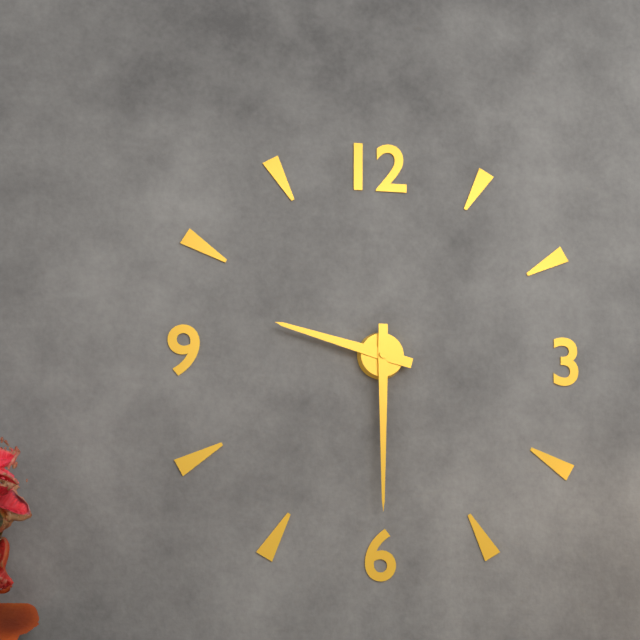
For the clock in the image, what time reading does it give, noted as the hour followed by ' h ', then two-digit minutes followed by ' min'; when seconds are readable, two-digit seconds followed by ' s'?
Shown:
9 h 30 min
